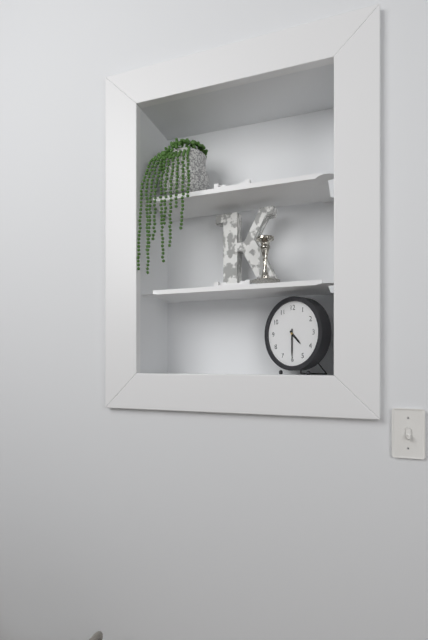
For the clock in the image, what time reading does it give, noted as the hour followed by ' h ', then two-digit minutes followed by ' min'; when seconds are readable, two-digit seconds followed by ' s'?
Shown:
4 h 30 min
